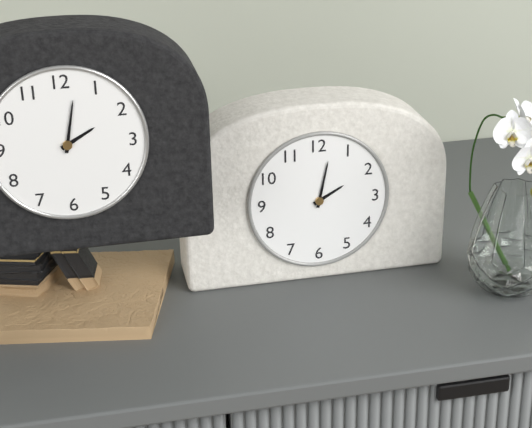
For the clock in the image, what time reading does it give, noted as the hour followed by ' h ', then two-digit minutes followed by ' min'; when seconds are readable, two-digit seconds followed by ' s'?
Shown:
2 h 02 min
